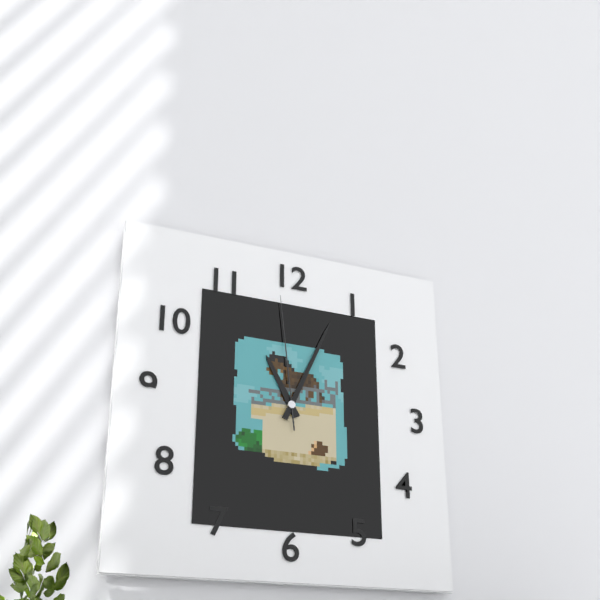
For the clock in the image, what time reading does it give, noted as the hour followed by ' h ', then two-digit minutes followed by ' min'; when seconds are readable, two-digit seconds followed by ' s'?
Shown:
11 h 04 min 59 s
